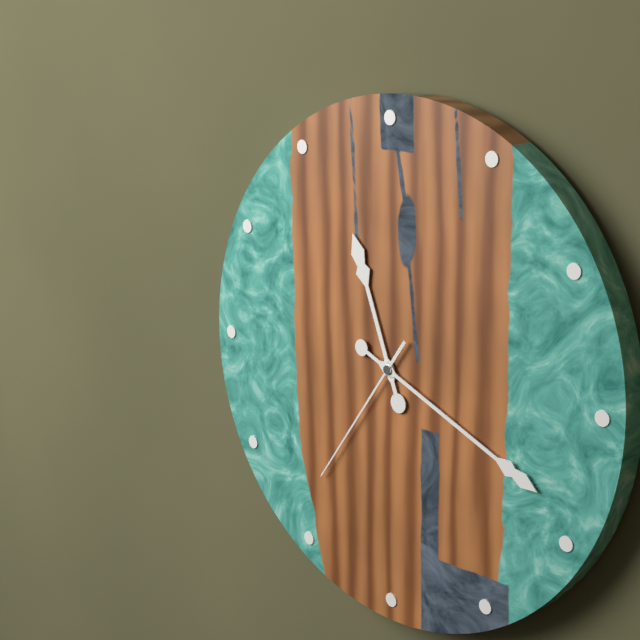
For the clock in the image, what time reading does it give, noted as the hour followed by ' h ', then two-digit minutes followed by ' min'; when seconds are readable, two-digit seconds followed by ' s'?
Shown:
11 h 19 min 36 s
